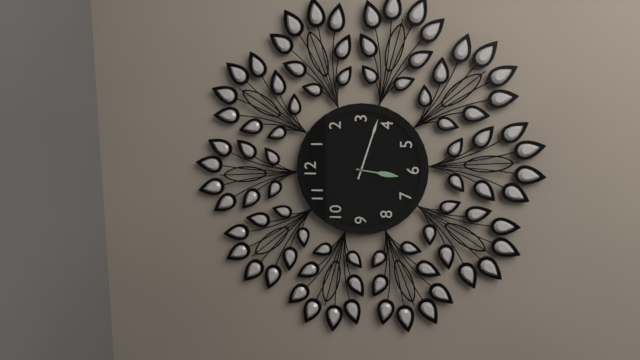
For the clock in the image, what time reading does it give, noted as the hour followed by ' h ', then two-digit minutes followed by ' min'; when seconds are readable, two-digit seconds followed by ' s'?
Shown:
6 h 18 min
